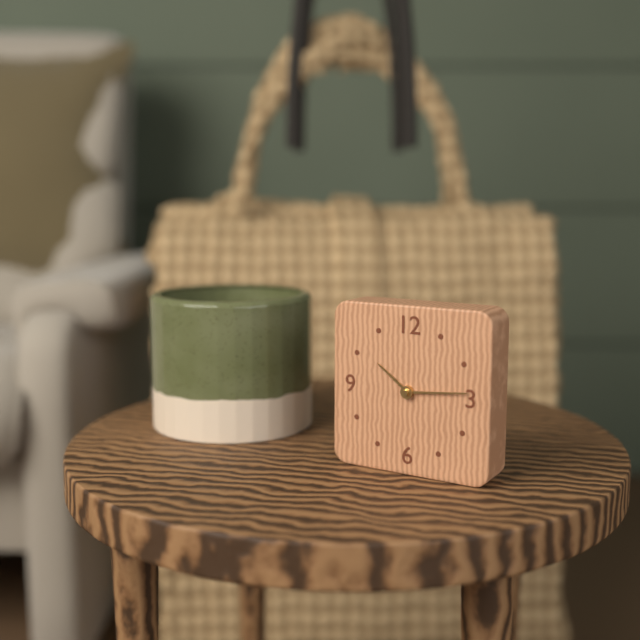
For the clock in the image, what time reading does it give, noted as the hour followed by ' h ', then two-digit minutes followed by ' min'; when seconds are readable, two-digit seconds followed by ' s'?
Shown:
10 h 14 min
